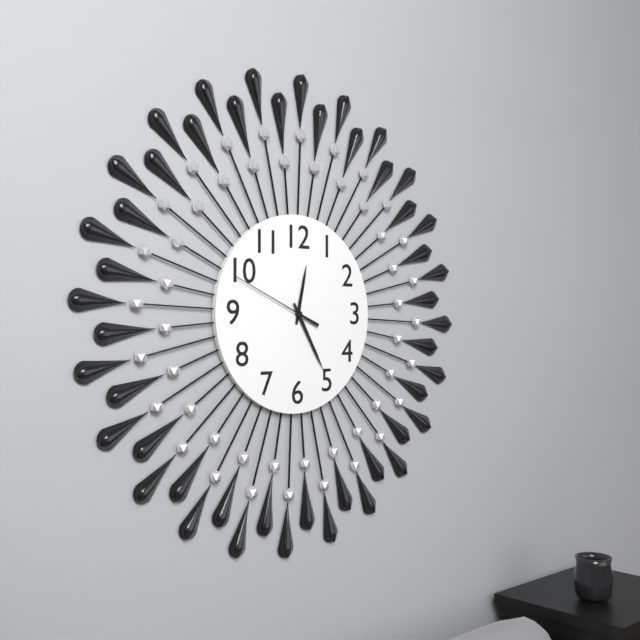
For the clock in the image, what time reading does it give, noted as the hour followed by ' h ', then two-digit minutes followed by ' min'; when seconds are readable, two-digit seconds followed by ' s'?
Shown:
12 h 25 min 49 s
